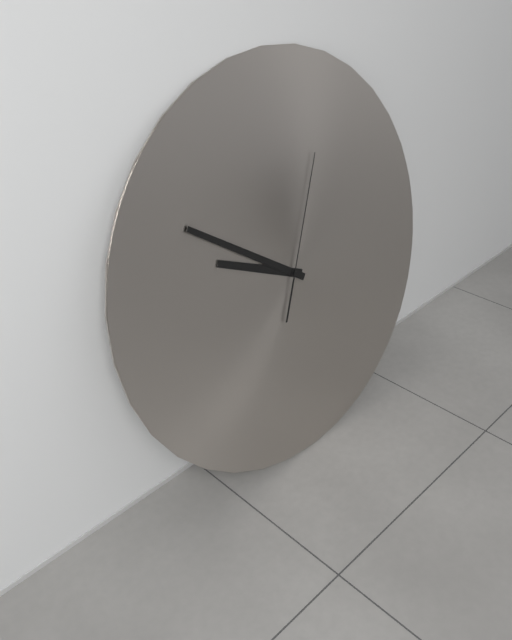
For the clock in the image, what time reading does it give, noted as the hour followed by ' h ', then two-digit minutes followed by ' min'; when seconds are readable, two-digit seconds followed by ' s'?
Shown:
9 h 51 min 04 s
